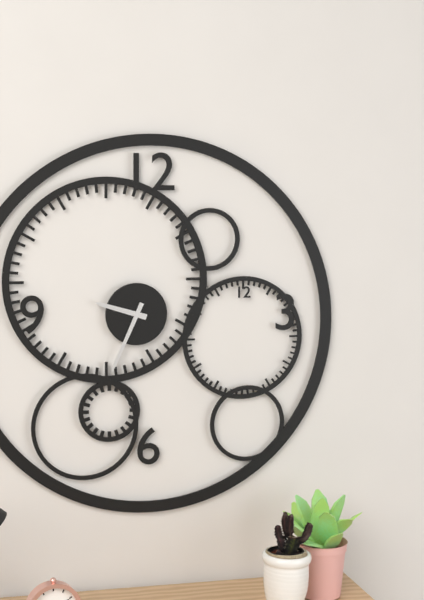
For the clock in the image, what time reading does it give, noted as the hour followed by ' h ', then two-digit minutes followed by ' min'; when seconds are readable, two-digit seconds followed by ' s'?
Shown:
9 h 34 min
